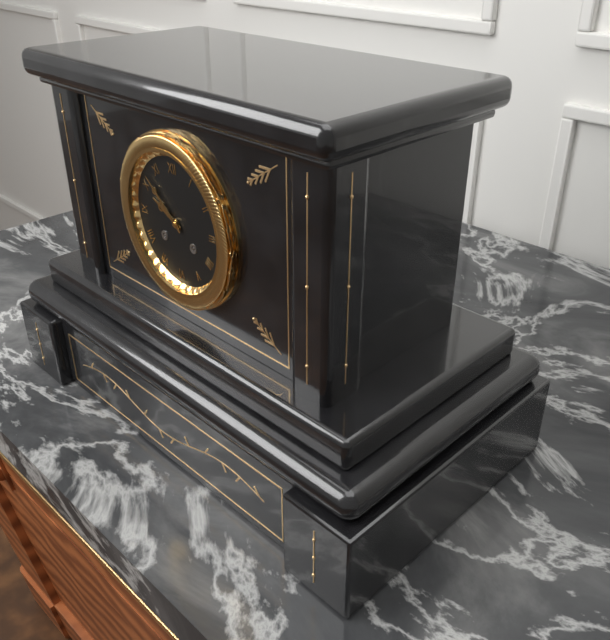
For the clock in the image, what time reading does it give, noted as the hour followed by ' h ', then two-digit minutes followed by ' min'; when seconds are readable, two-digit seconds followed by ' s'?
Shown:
9 h 52 min
